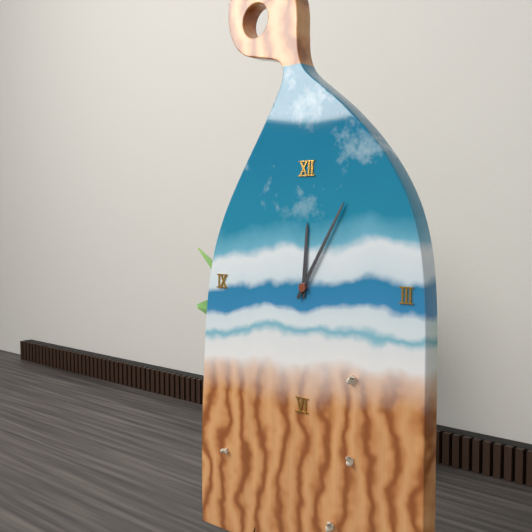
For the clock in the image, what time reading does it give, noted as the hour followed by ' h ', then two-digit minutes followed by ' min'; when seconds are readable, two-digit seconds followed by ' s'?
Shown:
12 h 05 min
